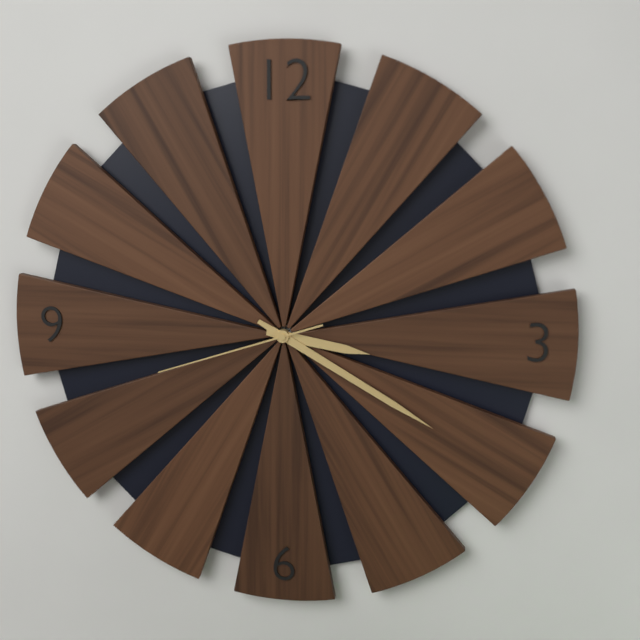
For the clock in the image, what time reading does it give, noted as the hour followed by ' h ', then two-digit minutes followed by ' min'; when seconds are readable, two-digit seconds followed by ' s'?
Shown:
3 h 20 min 42 s
